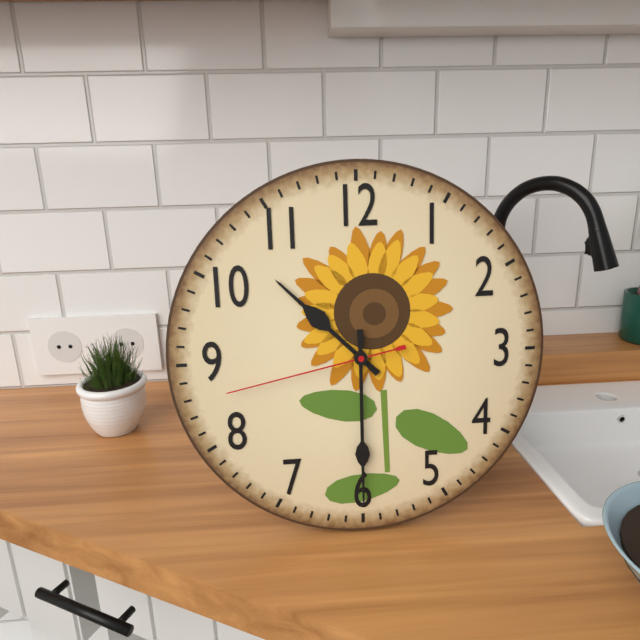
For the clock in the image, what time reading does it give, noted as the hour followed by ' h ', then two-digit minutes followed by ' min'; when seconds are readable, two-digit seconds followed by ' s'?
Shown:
10 h 30 min 43 s
